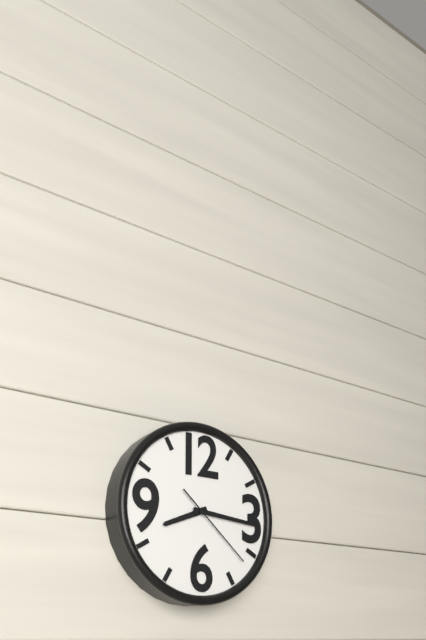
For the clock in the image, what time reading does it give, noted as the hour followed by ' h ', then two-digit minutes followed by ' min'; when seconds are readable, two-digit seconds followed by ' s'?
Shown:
8 h 16 min 22 s
